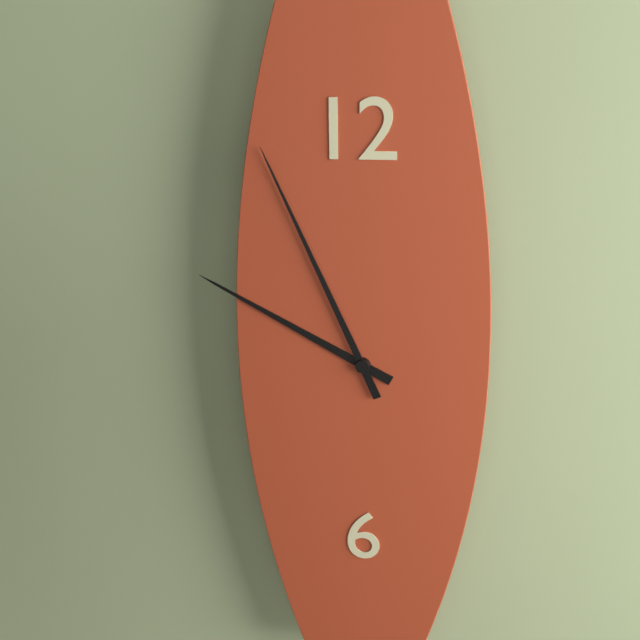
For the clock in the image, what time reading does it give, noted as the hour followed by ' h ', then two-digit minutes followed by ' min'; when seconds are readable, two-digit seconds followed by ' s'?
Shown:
9 h 56 min
